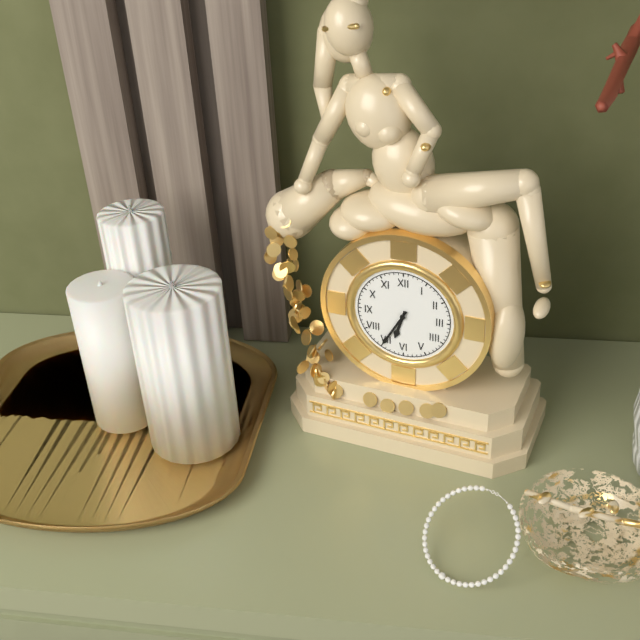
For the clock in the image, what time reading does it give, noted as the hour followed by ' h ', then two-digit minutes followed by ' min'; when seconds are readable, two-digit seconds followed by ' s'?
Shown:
6 h 35 min
